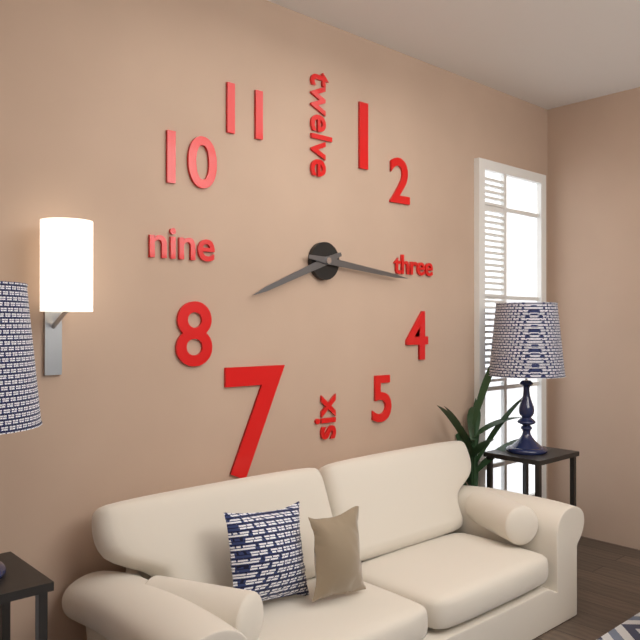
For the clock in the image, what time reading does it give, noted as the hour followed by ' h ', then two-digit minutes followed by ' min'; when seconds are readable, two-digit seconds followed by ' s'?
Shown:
8 h 16 min
